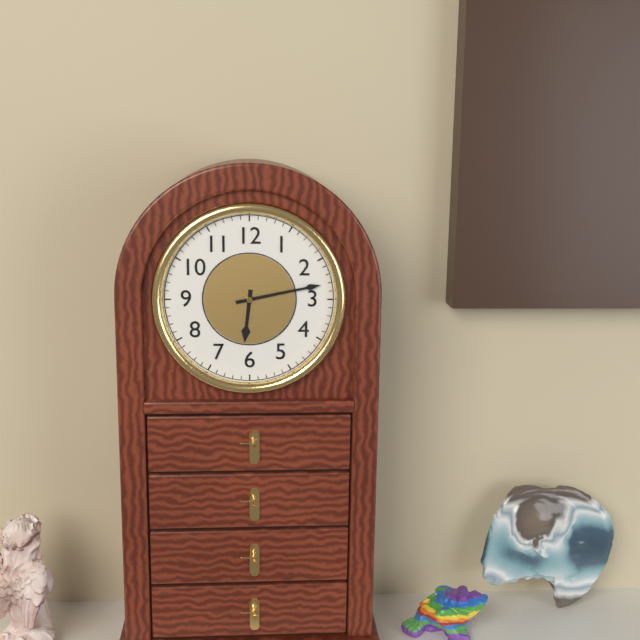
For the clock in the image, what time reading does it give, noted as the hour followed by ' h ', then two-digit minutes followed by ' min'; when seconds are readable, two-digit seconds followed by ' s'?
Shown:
6 h 13 min
